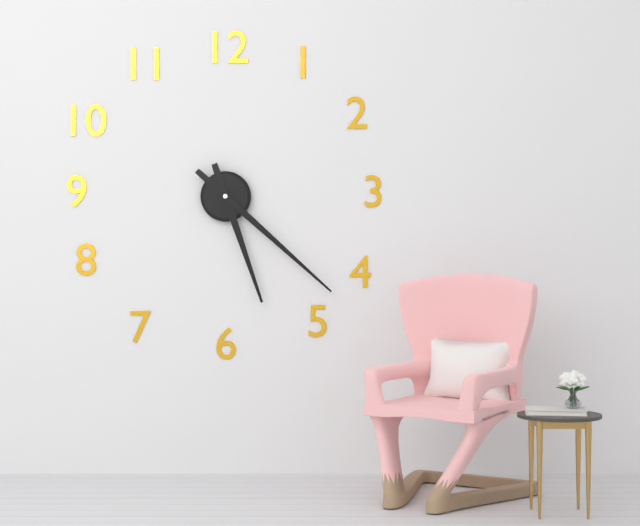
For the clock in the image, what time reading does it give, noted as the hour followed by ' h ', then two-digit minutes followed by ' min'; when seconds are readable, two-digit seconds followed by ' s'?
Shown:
5 h 22 min
